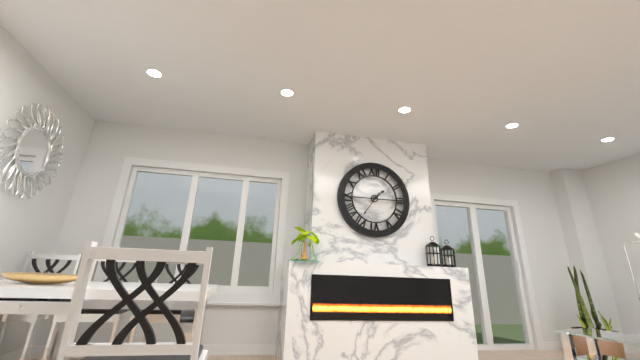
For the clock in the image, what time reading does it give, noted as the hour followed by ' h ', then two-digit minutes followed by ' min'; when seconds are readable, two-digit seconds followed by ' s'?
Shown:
1 h 36 min
